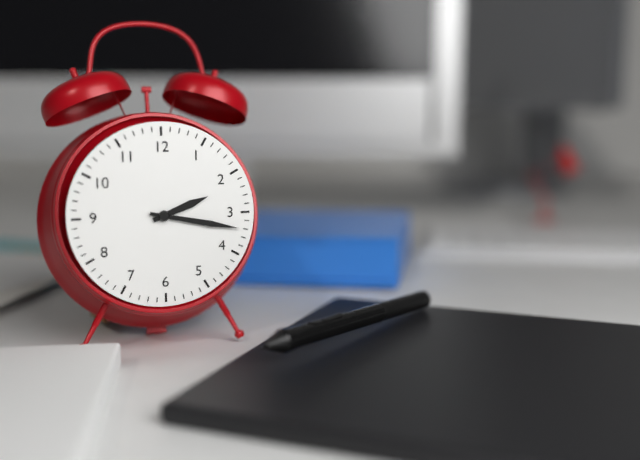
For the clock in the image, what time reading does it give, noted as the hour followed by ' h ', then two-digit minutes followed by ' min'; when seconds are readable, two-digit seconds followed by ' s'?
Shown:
2 h 17 min
